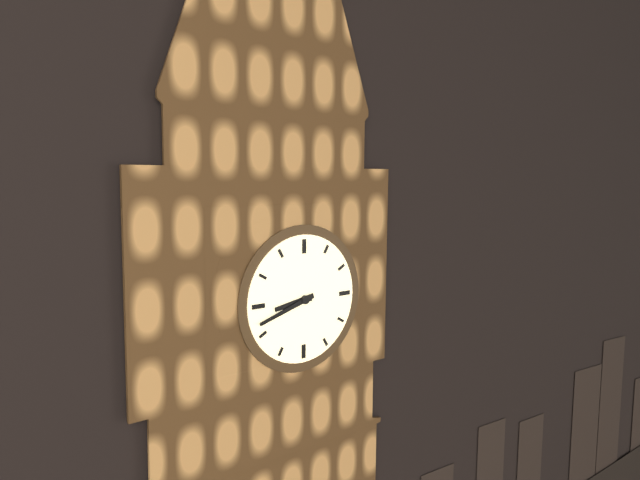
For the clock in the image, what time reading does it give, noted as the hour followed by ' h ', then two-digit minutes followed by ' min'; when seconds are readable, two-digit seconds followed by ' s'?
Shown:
8 h 42 min
